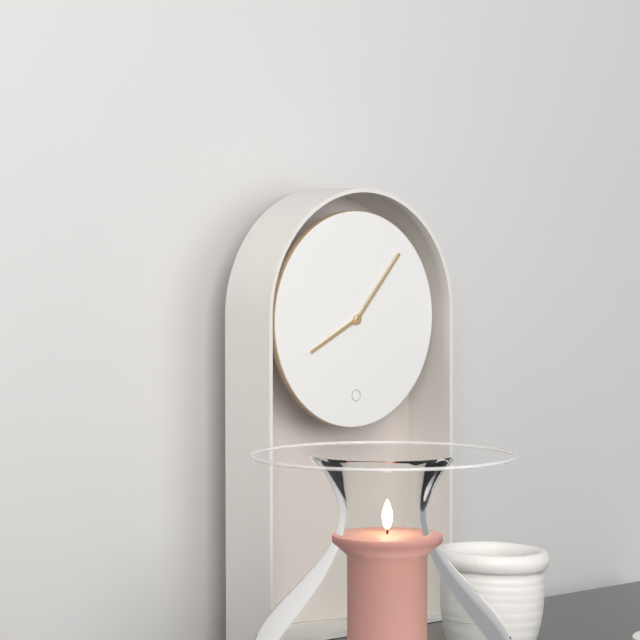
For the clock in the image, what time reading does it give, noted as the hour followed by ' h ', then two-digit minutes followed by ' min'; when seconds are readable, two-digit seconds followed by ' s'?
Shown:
8 h 07 min
